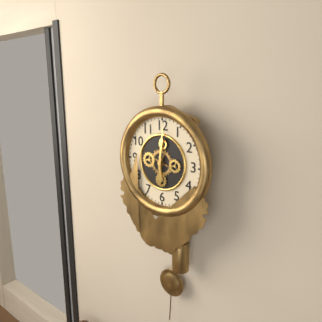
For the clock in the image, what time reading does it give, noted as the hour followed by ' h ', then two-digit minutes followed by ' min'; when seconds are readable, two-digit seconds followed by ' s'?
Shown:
6 h 01 min
